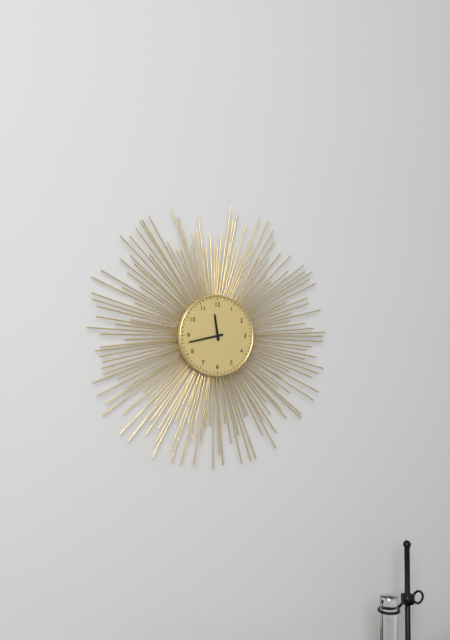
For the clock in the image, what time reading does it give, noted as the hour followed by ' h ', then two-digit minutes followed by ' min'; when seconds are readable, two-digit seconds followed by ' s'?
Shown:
11 h 43 min
